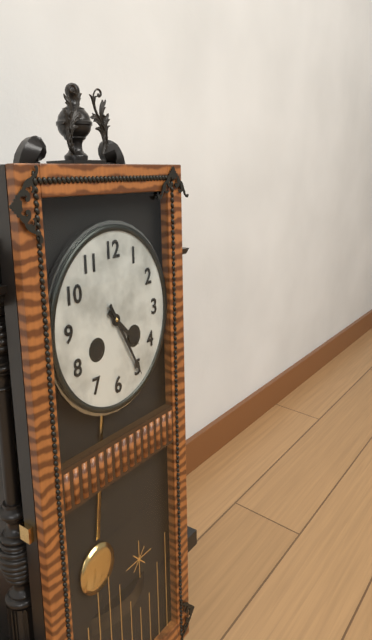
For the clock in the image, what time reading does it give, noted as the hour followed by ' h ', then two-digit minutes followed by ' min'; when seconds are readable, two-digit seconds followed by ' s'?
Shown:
4 h 25 min
